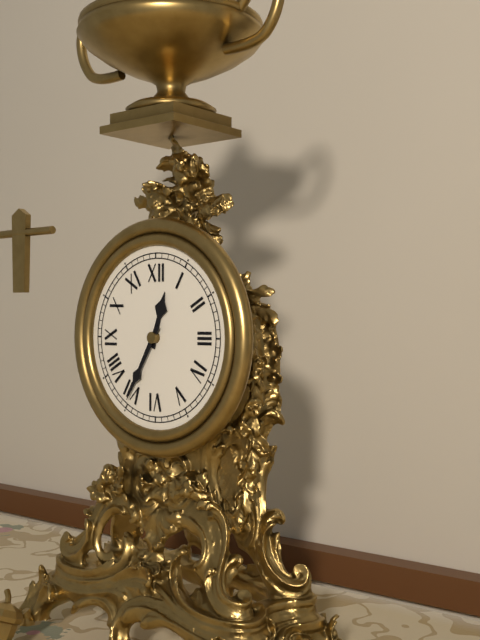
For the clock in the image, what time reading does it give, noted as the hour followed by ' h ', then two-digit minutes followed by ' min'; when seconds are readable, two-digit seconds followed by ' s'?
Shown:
12 h 35 min
